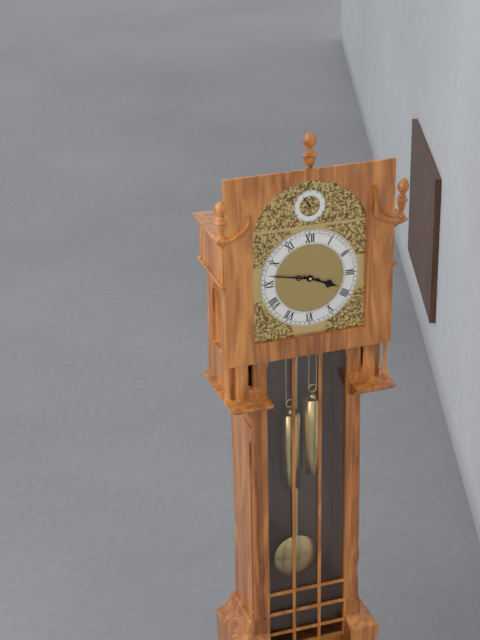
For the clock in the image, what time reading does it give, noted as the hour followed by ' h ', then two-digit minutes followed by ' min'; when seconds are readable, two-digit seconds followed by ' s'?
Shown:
3 h 47 min
